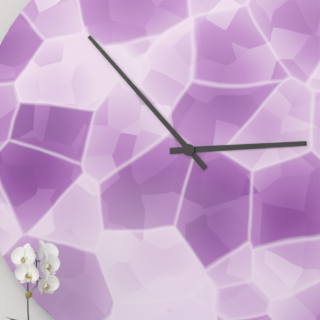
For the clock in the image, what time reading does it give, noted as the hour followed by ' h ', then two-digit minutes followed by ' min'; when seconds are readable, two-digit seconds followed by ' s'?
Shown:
2 h 53 min
